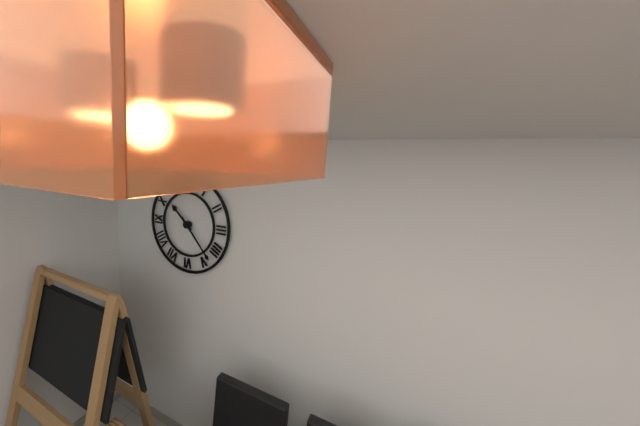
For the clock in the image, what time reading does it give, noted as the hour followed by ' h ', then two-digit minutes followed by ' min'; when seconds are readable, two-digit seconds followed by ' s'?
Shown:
10 h 23 min
